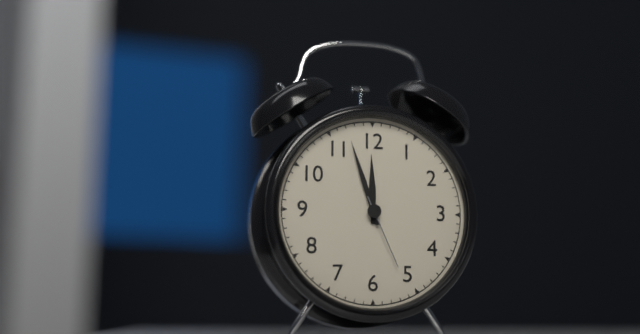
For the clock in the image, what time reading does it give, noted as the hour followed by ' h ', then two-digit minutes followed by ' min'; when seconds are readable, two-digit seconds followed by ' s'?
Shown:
11 h 57 min 26 s
